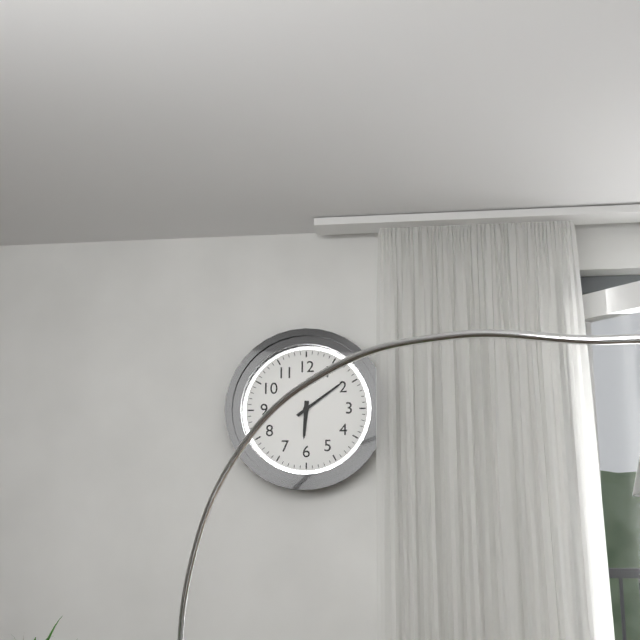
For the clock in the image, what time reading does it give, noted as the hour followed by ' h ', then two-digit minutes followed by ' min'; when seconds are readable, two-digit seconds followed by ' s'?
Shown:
6 h 09 min
